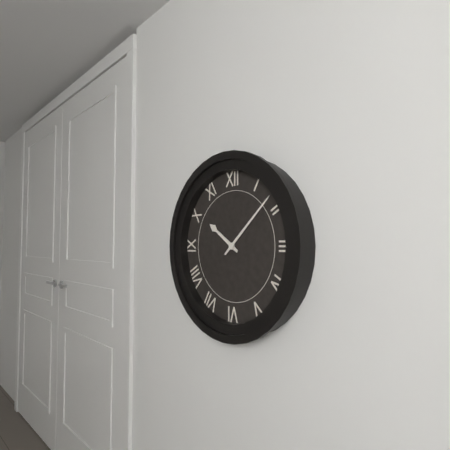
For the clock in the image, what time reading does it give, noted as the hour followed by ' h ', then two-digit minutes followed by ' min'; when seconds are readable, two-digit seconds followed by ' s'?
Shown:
10 h 08 min
